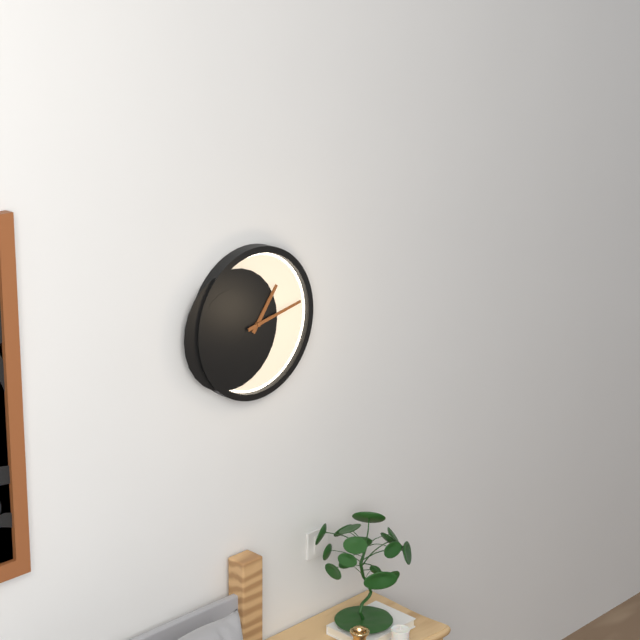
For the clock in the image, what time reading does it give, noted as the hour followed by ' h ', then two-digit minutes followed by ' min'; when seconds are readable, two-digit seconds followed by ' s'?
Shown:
1 h 13 min
